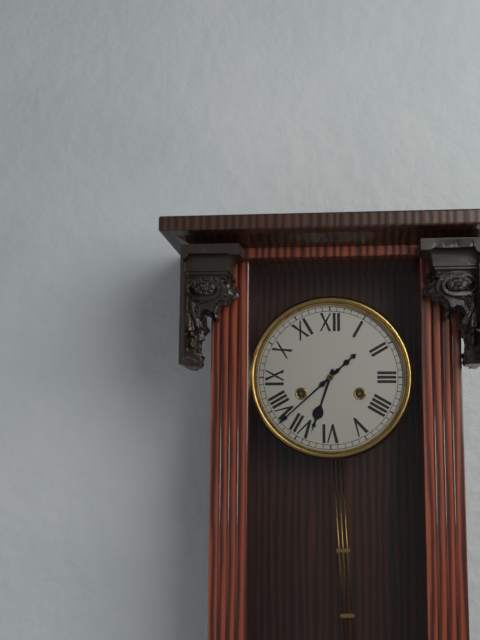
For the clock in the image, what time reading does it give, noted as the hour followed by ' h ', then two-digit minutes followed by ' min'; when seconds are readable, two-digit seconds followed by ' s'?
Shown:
6 h 38 min
